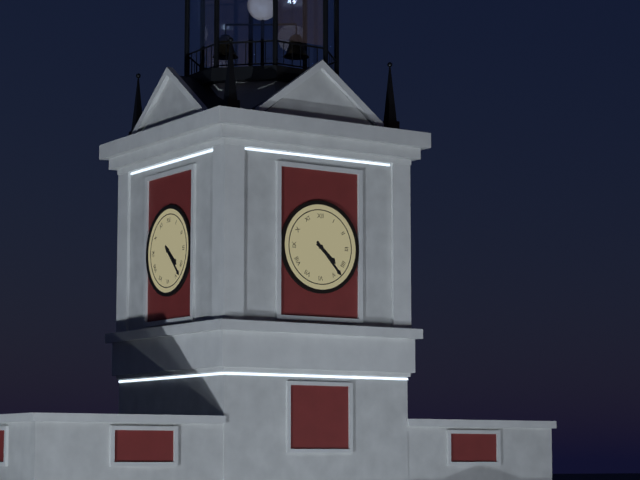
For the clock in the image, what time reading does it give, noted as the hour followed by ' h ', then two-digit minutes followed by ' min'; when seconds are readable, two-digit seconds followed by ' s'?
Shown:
4 h 23 min
